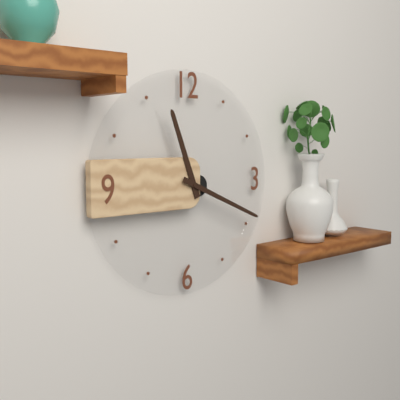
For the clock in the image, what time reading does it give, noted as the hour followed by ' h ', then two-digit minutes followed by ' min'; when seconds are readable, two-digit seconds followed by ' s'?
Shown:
11 h 19 min
